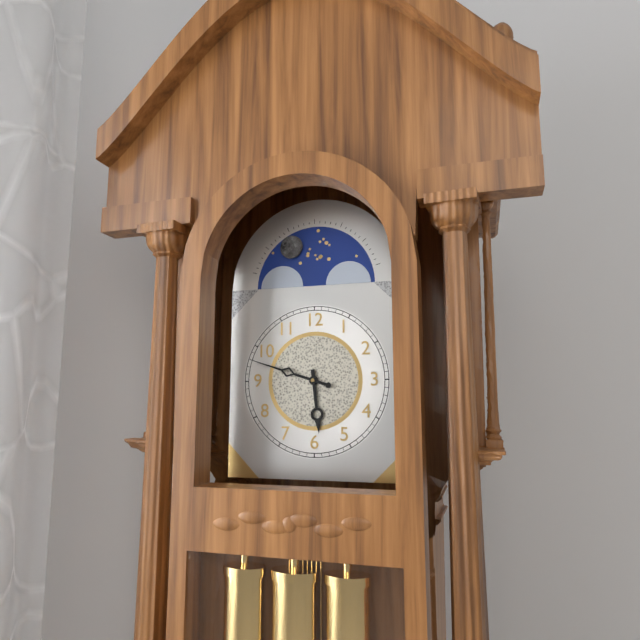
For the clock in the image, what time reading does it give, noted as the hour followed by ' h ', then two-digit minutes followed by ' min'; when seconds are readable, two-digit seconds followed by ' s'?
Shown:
5 h 48 min
